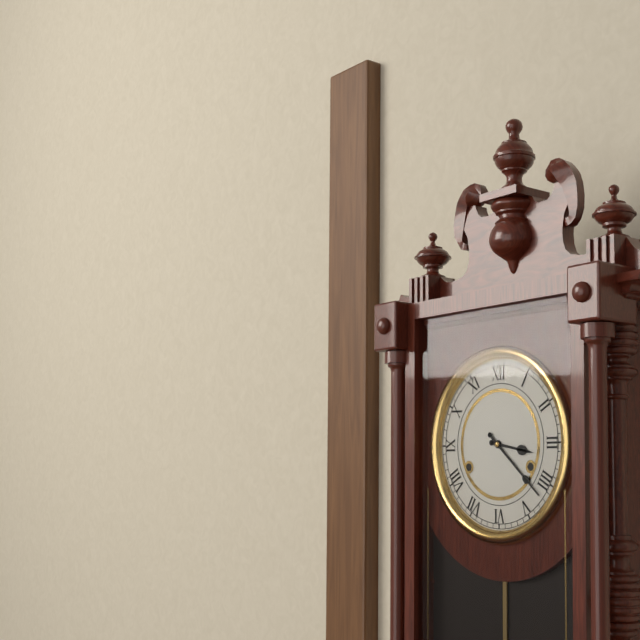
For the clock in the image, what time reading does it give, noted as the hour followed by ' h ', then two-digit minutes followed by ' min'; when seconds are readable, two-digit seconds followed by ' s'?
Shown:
3 h 22 min
